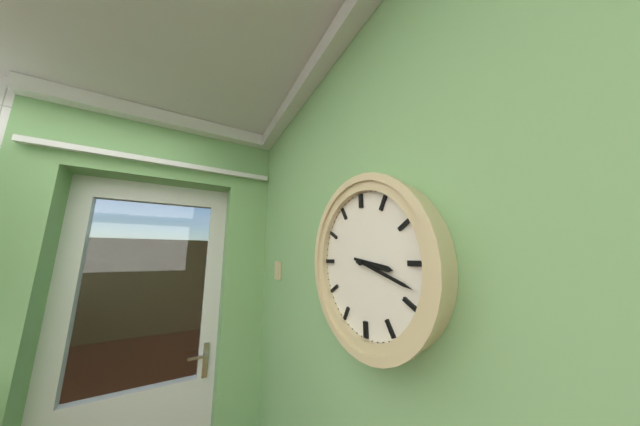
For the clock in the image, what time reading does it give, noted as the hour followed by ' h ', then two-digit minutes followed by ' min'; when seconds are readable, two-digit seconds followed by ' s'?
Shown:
3 h 18 min
